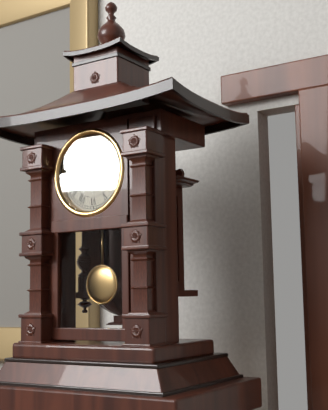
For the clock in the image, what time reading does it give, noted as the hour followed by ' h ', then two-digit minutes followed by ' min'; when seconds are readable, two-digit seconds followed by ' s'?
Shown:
10 h 18 min
